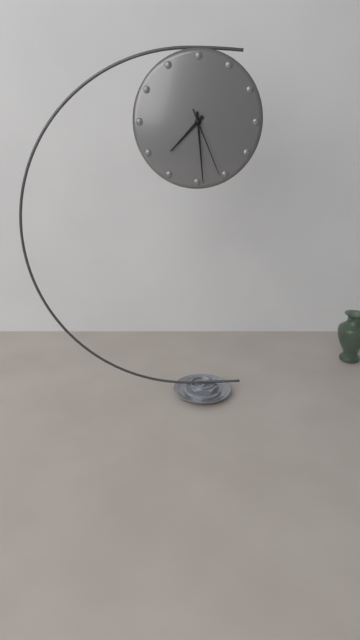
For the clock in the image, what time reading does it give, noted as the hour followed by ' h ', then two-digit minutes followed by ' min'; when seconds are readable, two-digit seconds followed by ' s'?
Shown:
7 h 29 min 26 s
